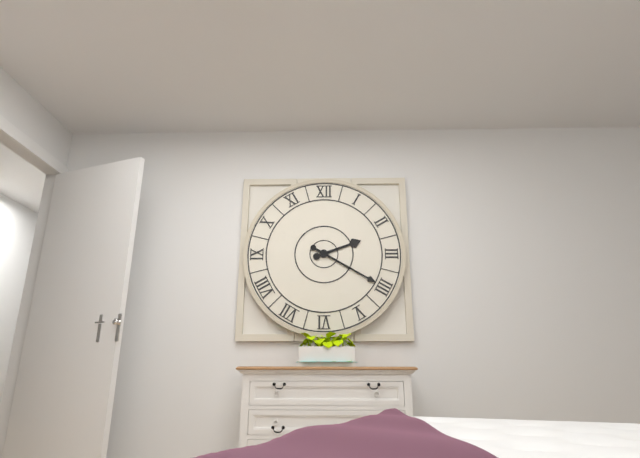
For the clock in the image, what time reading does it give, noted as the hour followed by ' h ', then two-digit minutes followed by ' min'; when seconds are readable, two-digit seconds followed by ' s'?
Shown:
2 h 20 min
